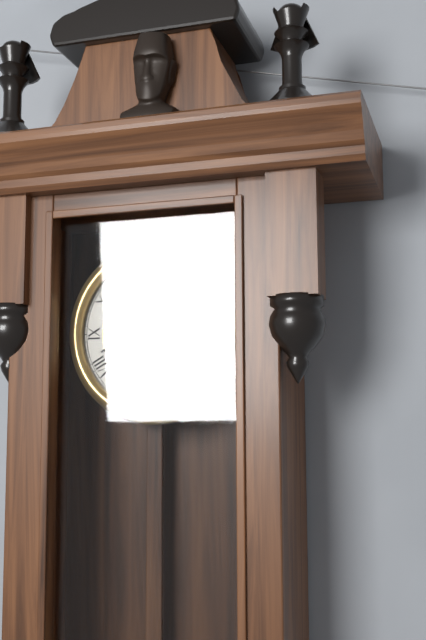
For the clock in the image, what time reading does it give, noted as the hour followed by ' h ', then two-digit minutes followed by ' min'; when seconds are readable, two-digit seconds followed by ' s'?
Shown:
2 h 42 min
